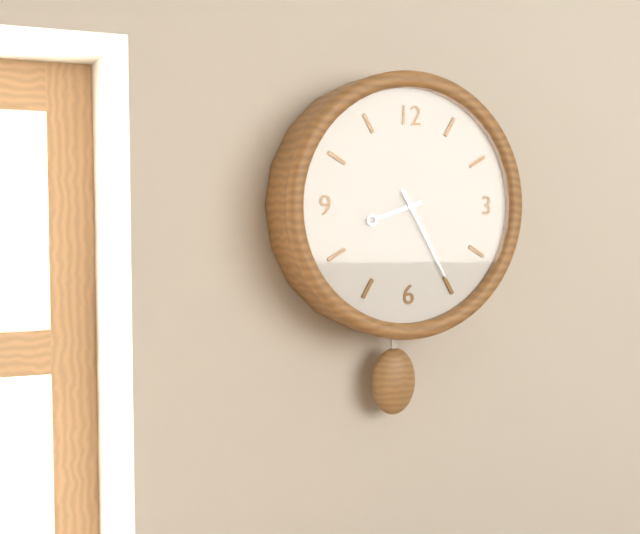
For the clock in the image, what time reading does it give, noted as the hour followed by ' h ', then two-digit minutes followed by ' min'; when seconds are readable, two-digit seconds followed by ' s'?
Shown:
8 h 25 min
